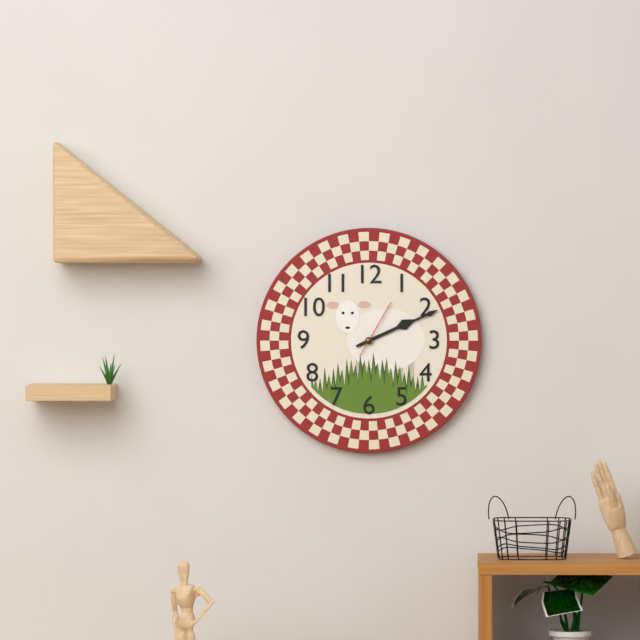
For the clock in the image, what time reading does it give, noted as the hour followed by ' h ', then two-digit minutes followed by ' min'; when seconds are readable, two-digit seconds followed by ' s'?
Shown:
2 h 11 min 05 s
